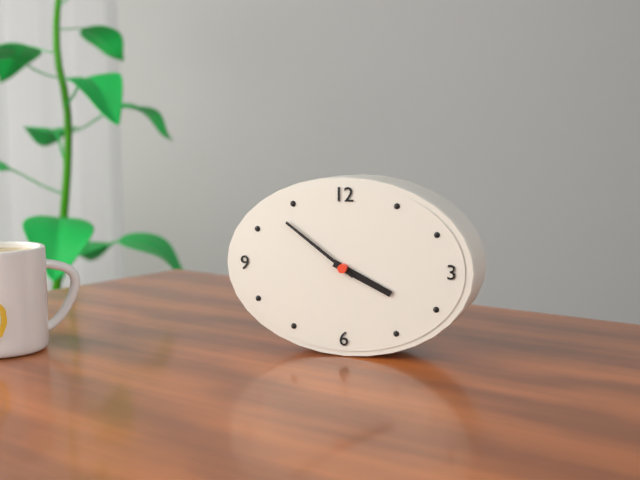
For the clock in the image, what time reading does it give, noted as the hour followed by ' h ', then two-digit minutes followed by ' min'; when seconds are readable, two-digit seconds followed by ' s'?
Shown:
3 h 51 min
